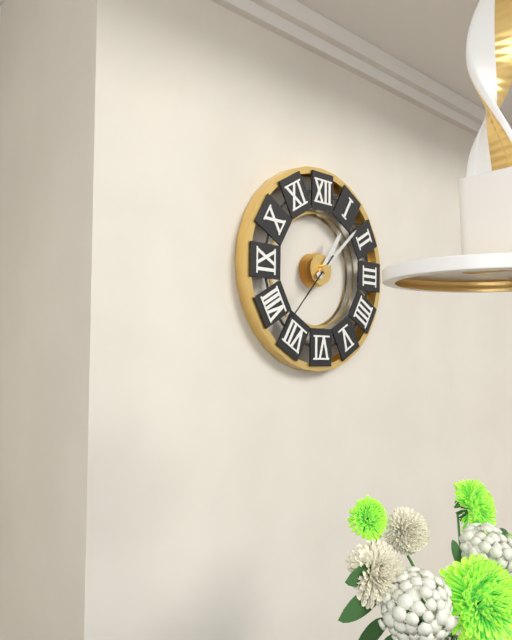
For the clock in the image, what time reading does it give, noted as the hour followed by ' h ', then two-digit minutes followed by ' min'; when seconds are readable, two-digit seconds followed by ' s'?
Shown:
1 h 08 min 37 s
